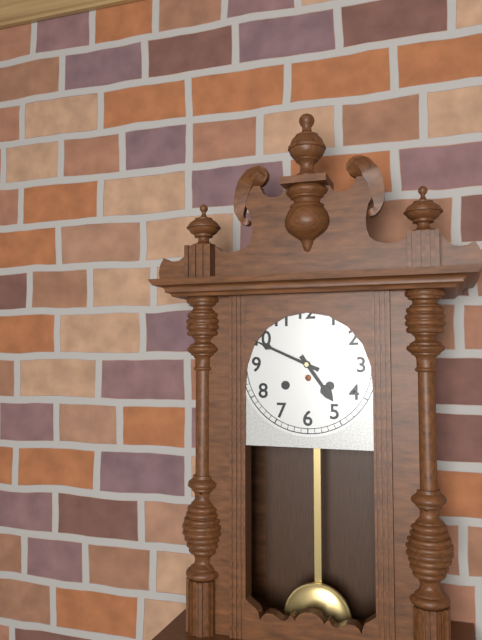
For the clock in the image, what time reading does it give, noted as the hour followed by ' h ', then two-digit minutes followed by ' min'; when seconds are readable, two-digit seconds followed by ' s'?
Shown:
4 h 49 min
